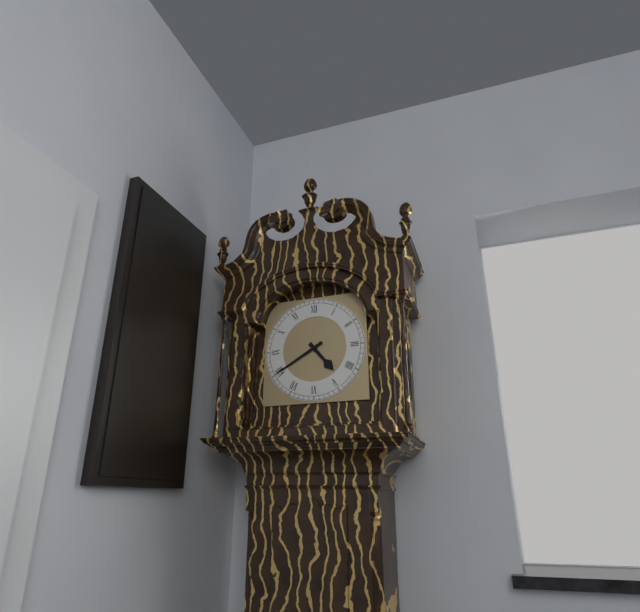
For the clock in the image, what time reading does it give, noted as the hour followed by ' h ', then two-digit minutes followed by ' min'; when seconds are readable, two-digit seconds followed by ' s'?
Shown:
4 h 40 min
